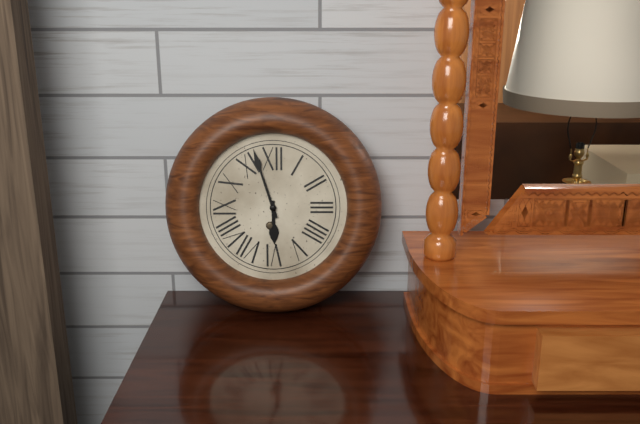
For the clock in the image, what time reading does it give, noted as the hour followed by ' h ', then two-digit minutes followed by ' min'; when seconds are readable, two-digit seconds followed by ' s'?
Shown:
5 h 57 min
